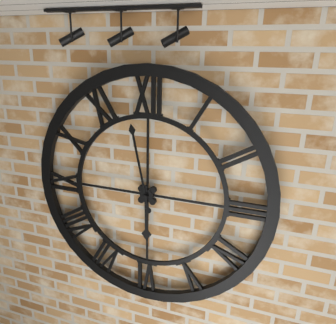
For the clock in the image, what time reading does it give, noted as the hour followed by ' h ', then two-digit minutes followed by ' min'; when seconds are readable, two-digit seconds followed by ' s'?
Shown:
5 h 58 min
